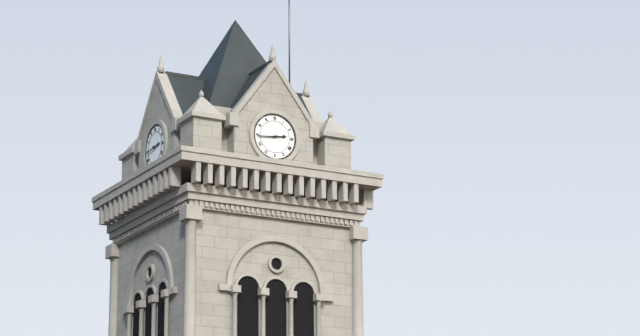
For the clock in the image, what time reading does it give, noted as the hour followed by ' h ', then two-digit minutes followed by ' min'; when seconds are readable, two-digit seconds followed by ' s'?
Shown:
2 h 44 min
